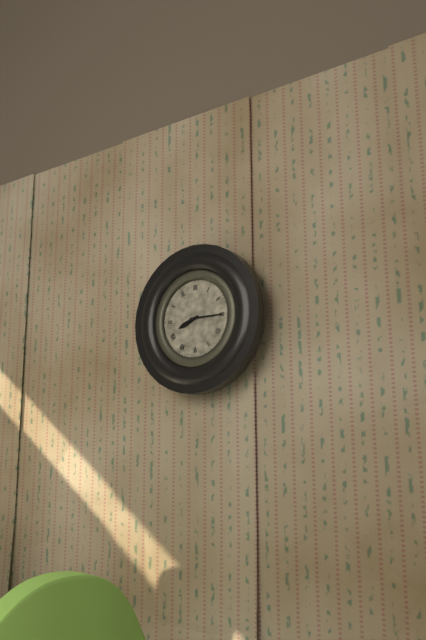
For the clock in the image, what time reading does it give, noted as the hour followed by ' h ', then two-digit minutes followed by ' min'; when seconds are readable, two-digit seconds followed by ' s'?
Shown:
8 h 15 min
